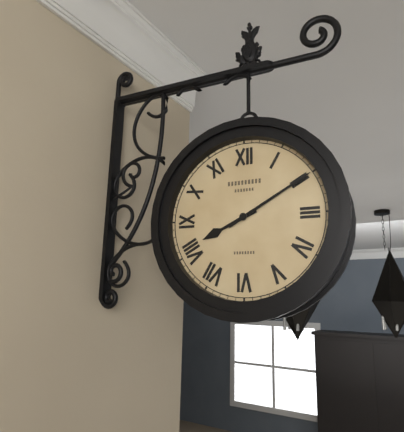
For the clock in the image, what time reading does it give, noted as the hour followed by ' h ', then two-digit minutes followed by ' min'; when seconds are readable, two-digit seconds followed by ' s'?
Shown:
8 h 10 min
